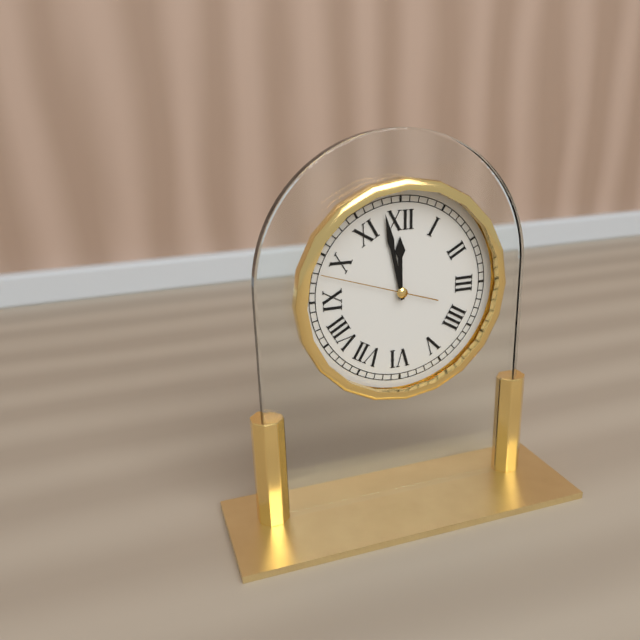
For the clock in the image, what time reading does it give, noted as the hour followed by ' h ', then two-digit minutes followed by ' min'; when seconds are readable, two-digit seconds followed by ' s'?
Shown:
11 h 58 min 48 s
